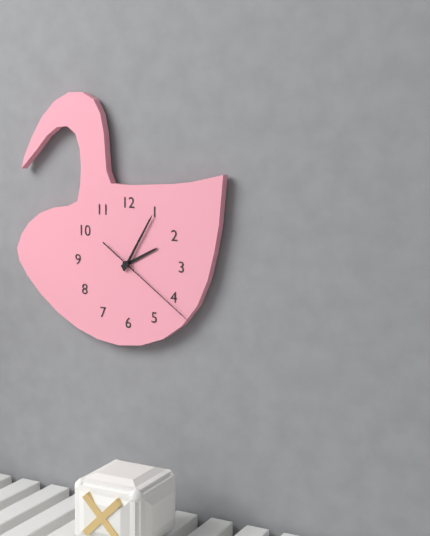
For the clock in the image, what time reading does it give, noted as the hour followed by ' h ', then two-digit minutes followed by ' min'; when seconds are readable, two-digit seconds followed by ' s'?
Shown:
2 h 05 min 21 s
